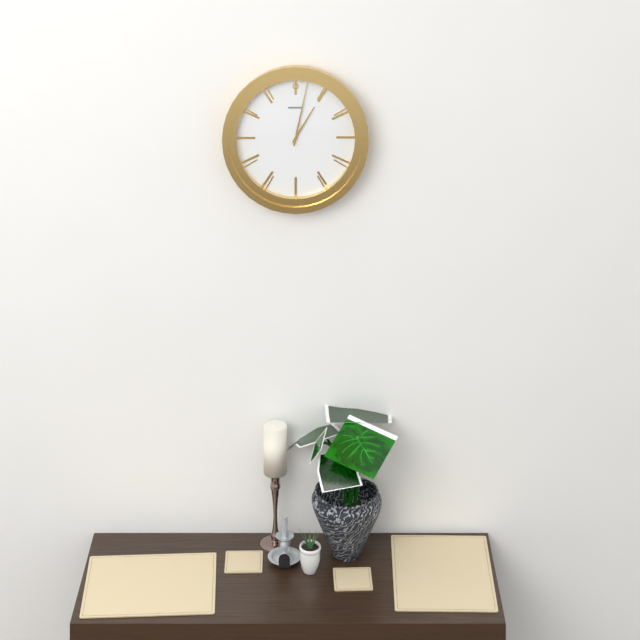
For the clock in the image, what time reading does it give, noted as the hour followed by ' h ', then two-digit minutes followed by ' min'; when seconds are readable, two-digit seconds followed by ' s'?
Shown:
1 h 02 min
